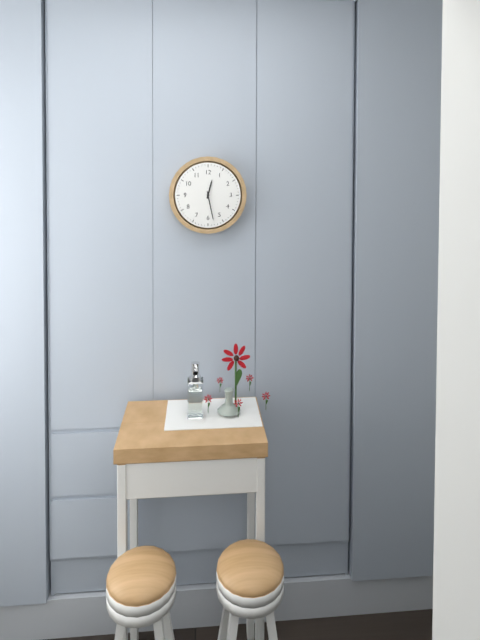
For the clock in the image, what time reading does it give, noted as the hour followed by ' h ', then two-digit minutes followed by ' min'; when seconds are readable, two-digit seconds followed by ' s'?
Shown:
12 h 28 min
